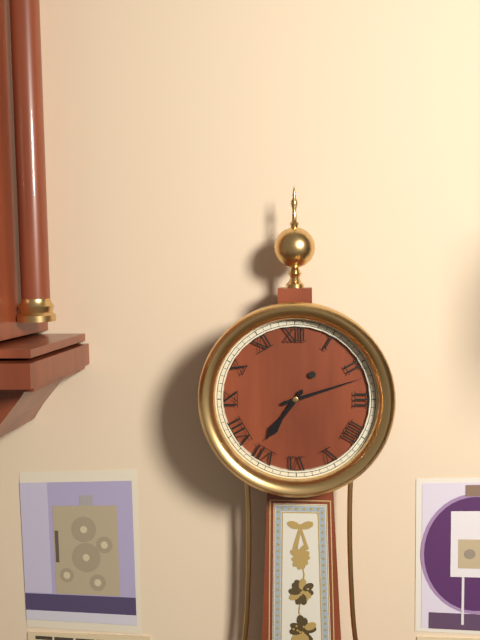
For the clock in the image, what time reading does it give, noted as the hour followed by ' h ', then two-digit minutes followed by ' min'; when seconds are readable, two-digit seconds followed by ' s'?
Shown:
7 h 12 min
